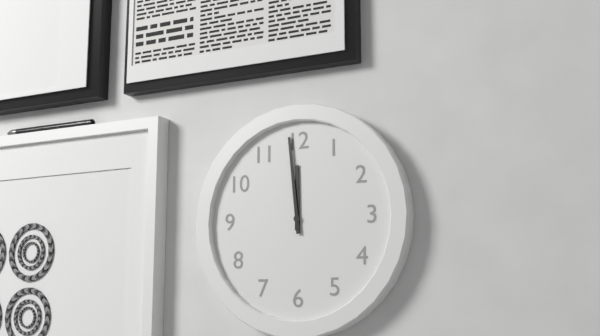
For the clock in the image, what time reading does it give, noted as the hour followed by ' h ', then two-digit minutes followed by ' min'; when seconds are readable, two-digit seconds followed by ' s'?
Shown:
11 h 59 min
